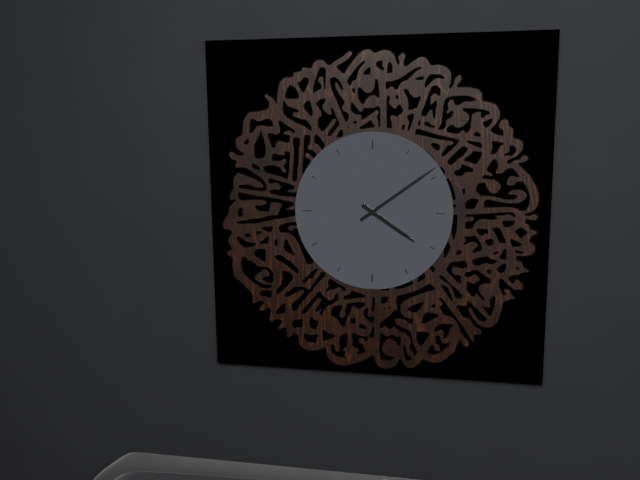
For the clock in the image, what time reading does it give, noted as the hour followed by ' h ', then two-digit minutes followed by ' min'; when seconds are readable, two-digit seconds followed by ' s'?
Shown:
4 h 09 min
